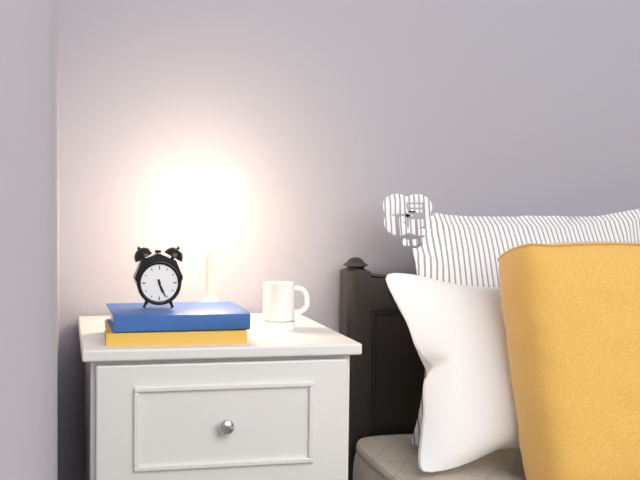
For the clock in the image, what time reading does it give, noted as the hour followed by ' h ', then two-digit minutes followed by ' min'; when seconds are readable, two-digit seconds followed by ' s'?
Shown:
5 h 26 min
